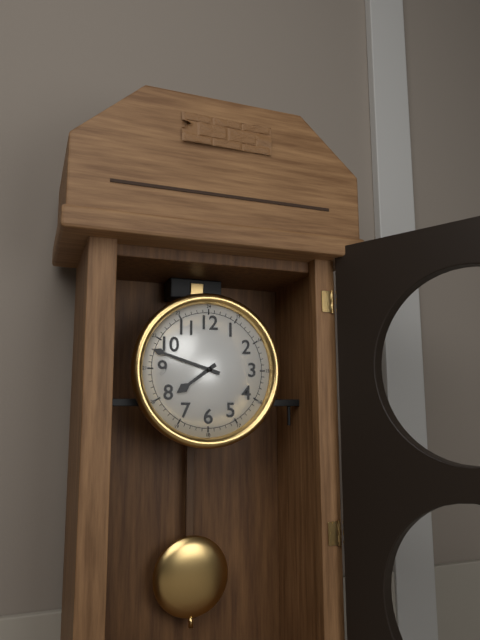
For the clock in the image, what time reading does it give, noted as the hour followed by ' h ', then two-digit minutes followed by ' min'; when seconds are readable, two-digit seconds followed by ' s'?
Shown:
7 h 48 min
